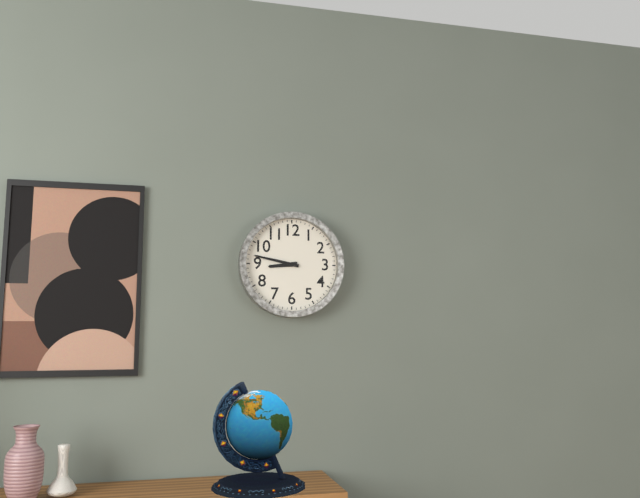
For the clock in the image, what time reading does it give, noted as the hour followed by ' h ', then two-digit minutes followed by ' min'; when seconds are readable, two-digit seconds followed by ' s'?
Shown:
8 h 47 min
